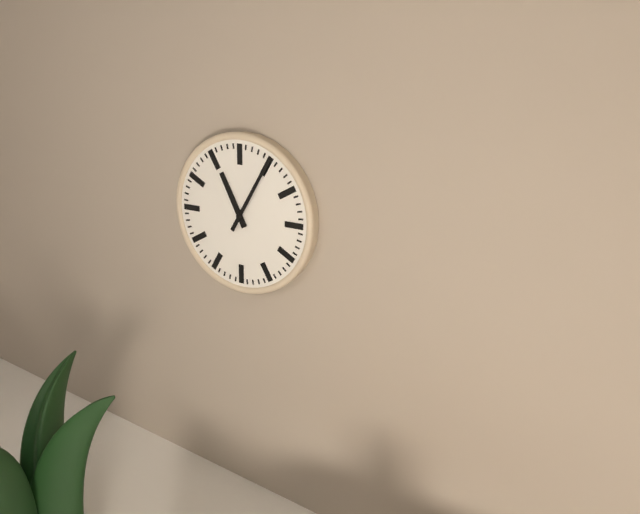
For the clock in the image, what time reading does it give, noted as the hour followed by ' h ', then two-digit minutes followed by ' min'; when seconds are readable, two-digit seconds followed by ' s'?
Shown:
11 h 05 min
